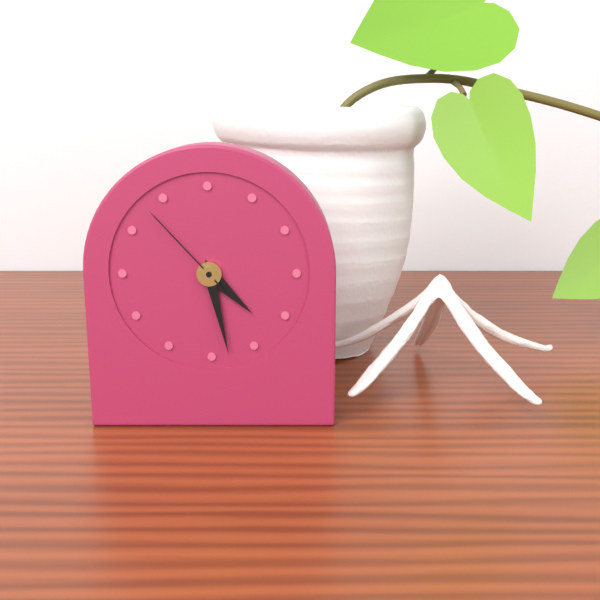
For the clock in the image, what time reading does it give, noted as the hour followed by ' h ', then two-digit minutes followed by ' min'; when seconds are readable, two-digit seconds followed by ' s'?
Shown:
4 h 28 min 53 s
